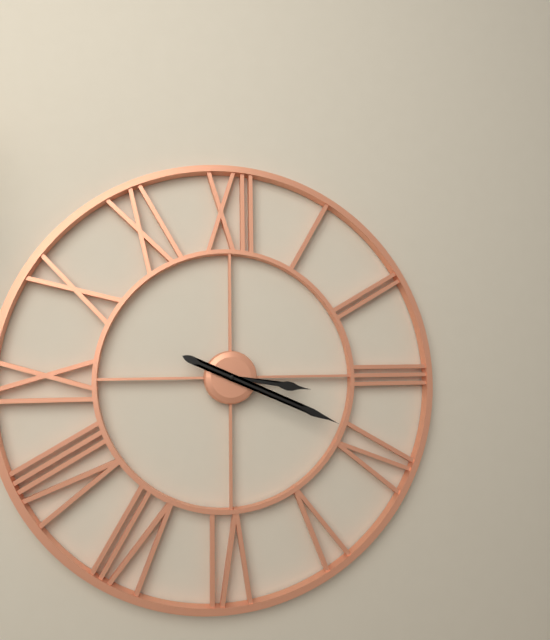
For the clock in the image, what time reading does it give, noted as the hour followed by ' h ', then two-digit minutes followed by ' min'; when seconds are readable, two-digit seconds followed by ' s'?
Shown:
3 h 19 min
